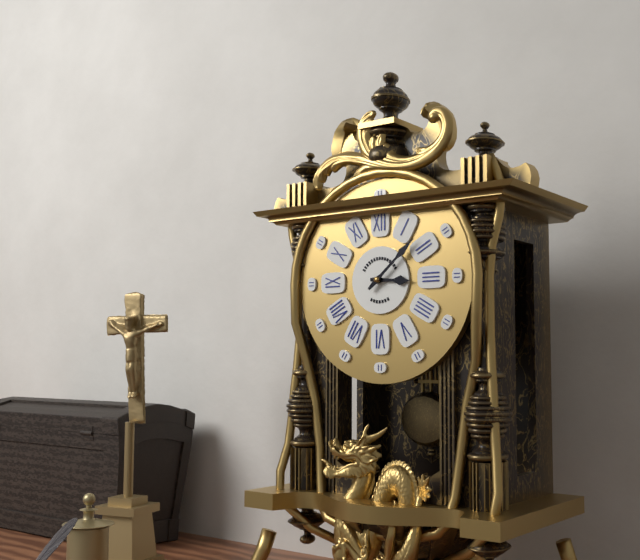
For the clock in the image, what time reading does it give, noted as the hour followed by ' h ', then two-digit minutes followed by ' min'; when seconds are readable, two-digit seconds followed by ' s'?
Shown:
3 h 08 min
